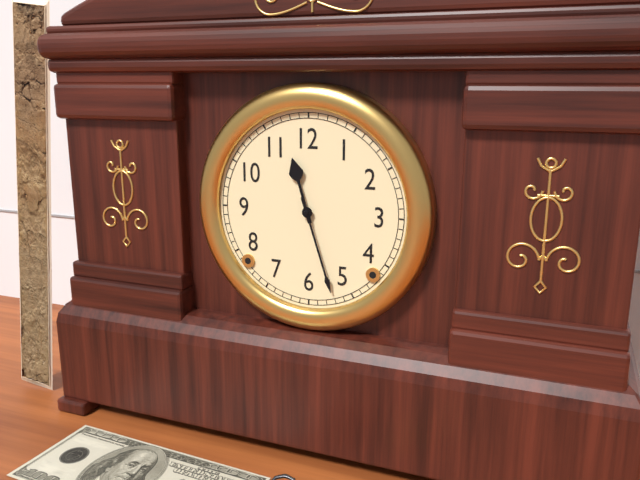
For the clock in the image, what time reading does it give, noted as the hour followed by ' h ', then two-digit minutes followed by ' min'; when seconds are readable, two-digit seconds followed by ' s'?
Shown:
11 h 27 min
